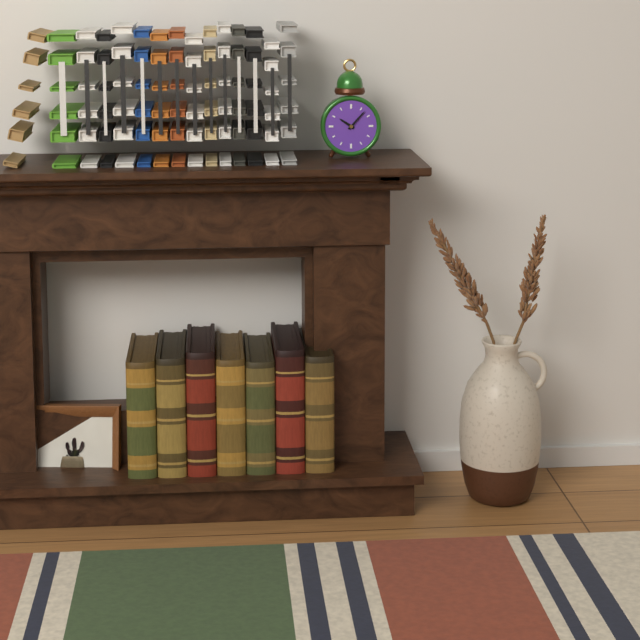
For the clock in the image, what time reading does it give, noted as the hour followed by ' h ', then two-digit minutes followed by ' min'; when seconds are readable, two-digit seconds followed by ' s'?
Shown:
10 h 07 min
